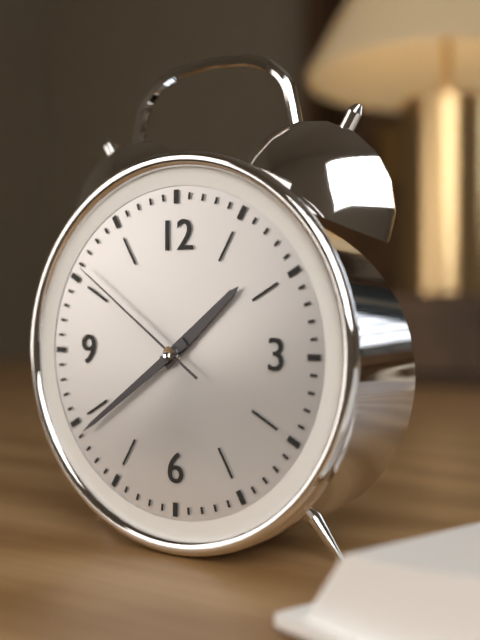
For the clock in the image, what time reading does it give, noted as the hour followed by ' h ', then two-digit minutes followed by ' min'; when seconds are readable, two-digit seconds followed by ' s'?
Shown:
1 h 39 min 51 s
